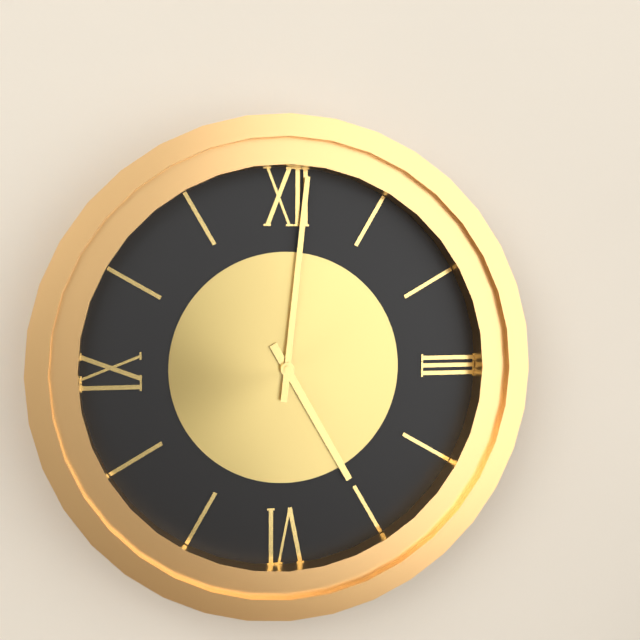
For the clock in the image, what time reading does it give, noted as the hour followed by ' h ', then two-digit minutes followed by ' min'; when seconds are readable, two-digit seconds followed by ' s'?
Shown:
5 h 01 min
